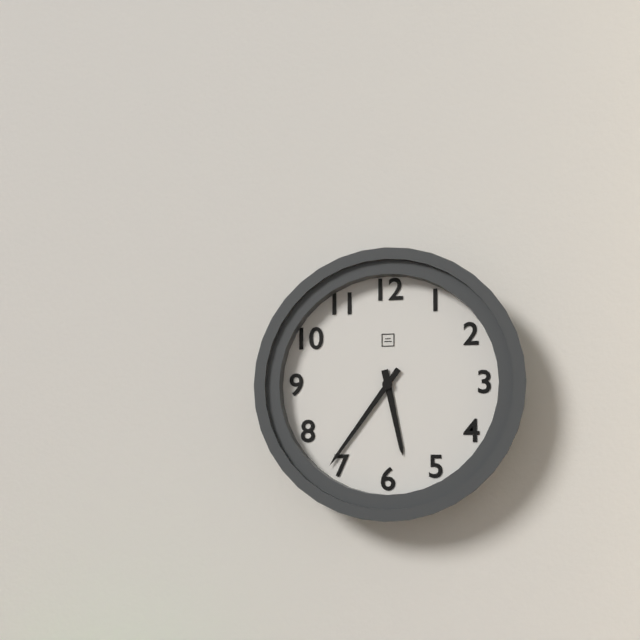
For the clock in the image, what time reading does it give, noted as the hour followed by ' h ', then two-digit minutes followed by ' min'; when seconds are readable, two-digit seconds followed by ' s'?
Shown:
5 h 36 min
